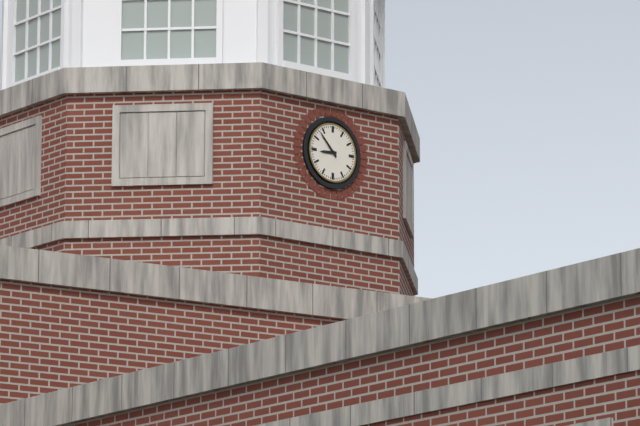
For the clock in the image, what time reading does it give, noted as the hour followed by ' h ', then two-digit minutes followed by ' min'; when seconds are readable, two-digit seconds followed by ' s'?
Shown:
8 h 53 min
